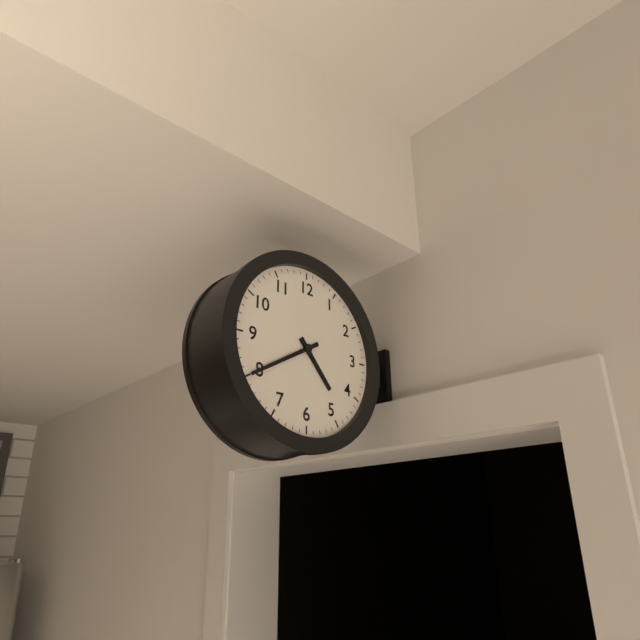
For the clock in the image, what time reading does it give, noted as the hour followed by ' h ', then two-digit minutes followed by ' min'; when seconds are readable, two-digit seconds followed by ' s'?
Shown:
4 h 40 min
